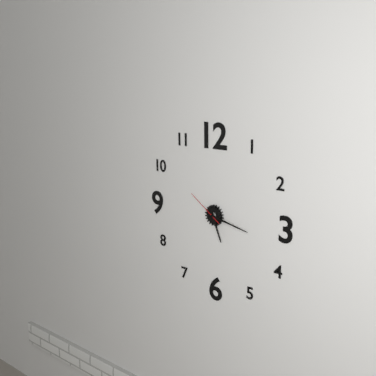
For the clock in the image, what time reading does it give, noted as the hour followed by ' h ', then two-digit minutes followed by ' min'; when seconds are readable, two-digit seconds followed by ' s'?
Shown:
5 h 17 min
